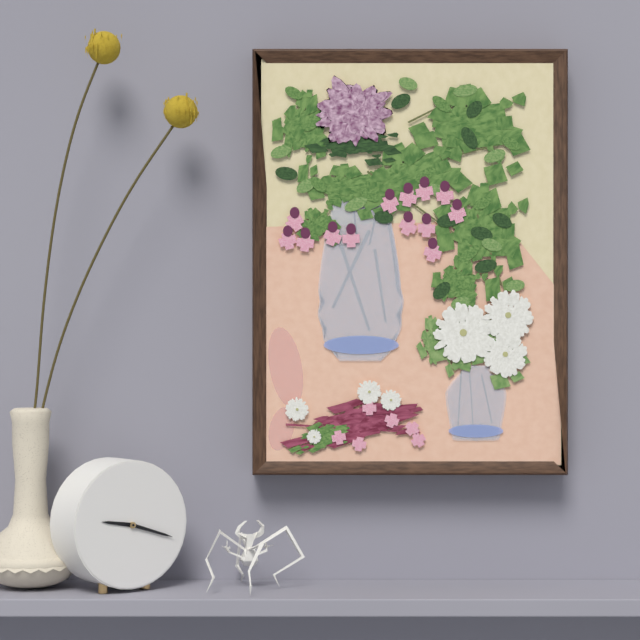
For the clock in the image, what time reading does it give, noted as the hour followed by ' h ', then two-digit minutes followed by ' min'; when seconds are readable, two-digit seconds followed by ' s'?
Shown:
9 h 18 min
